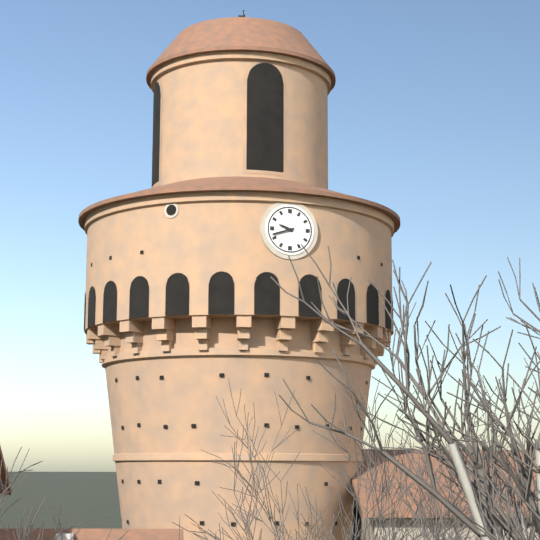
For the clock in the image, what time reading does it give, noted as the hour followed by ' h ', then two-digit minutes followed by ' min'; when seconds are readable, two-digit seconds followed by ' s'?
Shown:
9 h 42 min
